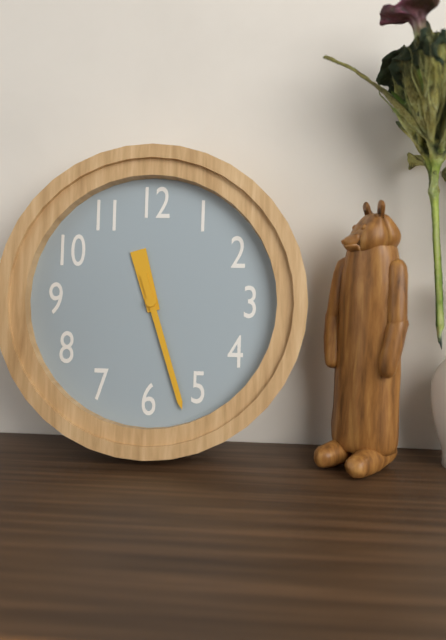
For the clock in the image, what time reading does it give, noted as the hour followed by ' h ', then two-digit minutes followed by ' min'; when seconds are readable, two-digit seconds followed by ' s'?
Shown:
11 h 27 min
